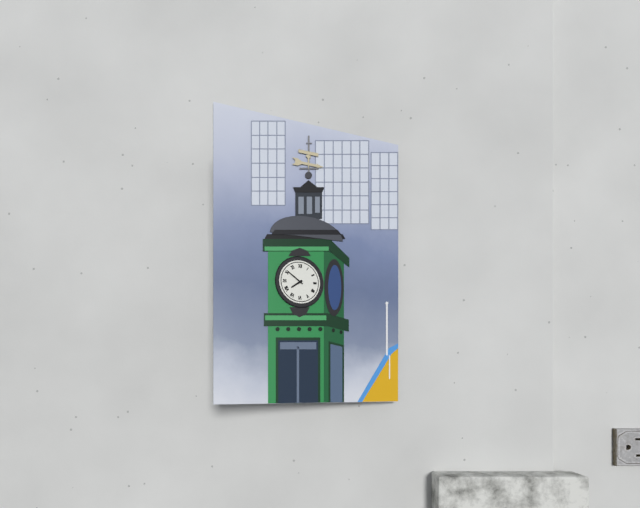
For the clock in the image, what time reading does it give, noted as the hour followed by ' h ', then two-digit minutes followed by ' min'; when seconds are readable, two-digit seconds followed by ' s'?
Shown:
7 h 51 min
